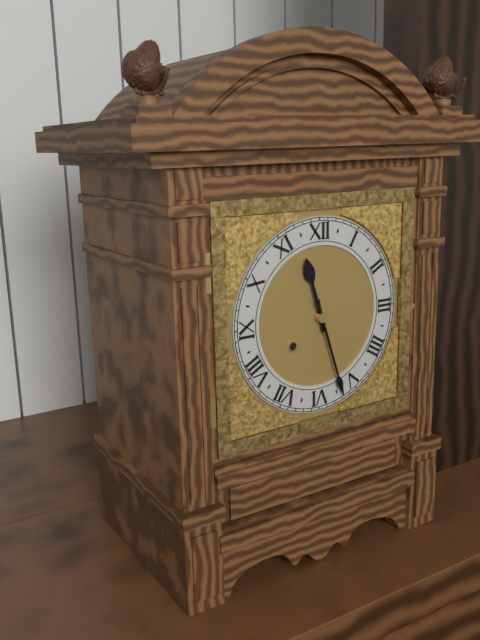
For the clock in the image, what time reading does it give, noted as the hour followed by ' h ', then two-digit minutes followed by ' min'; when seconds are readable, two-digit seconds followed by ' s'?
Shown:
11 h 27 min
